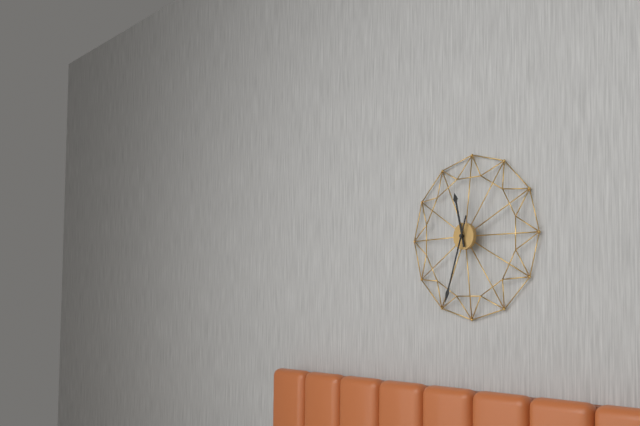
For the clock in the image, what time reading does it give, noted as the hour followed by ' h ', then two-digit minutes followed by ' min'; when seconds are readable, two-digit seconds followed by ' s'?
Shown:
11 h 33 min
